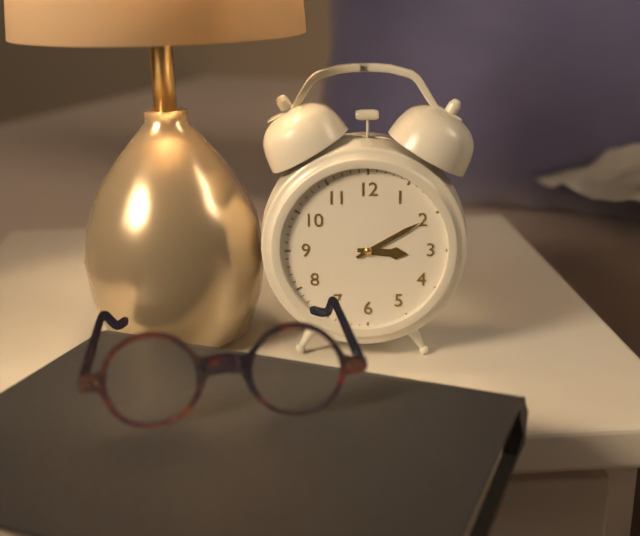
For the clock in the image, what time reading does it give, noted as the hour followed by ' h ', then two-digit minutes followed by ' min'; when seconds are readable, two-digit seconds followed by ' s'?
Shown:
3 h 10 min
